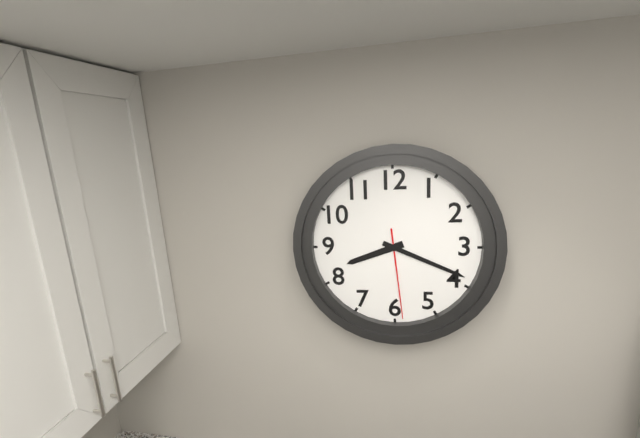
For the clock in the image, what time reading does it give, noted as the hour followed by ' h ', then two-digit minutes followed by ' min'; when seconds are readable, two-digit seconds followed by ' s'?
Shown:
8 h 19 min 29 s
